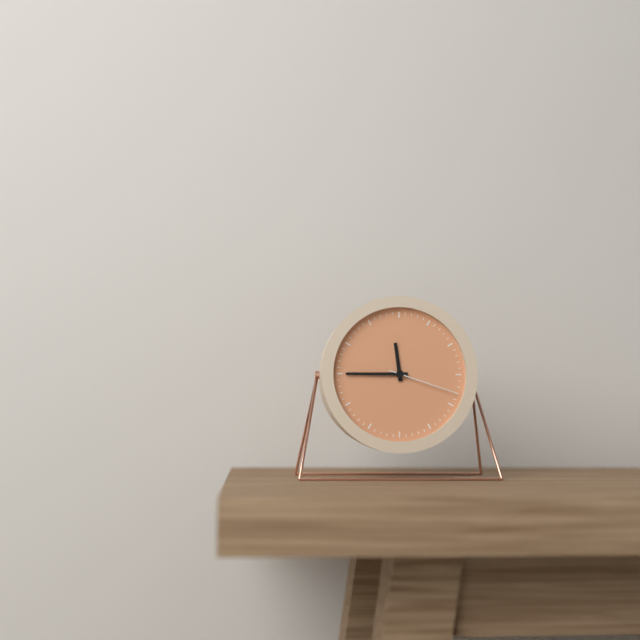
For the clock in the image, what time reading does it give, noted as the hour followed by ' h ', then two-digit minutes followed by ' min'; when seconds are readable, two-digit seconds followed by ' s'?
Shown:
11 h 45 min 18 s
